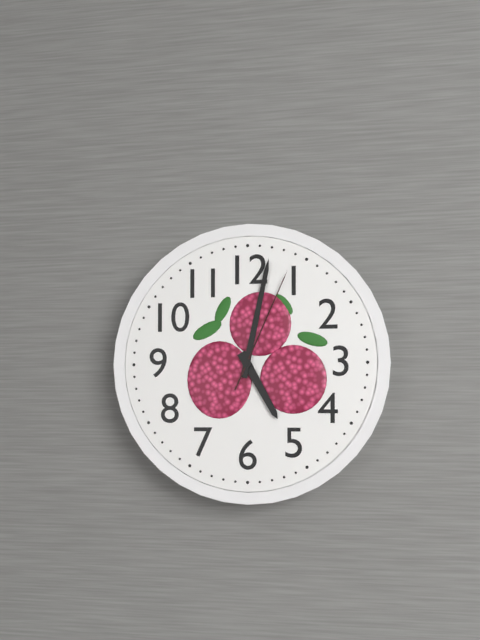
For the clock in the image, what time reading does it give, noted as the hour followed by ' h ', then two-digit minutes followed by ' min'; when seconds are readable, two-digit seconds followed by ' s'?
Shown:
5 h 02 min 04 s
